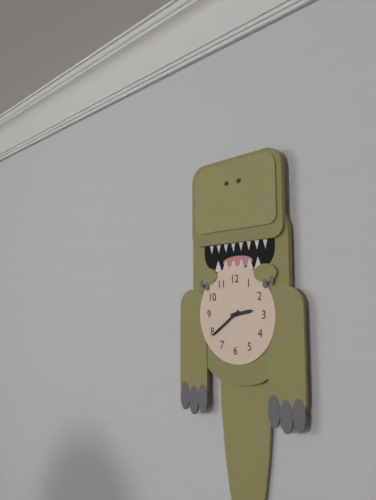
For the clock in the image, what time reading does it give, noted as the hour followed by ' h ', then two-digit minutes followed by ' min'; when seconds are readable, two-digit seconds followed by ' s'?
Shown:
2 h 39 min
